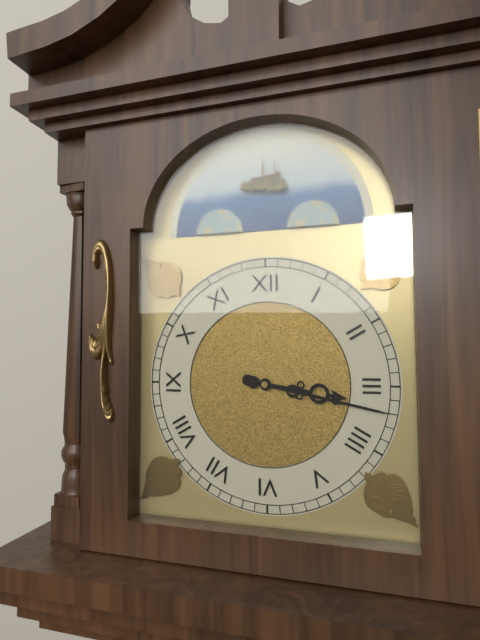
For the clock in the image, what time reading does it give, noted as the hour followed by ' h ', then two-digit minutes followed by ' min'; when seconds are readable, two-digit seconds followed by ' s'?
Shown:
3 h 17 min
